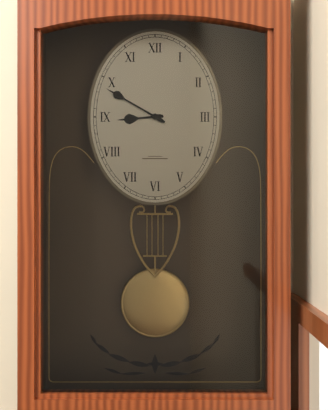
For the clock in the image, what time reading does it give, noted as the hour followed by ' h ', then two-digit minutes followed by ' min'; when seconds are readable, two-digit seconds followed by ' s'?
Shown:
8 h 50 min
